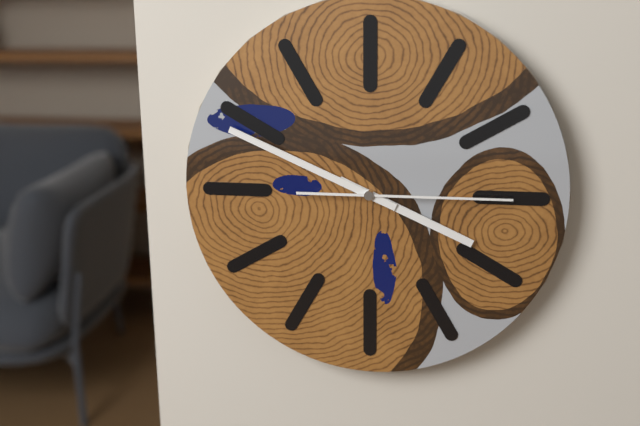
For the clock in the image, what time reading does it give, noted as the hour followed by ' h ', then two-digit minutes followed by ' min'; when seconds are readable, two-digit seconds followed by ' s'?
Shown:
3 h 49 min 15 s
